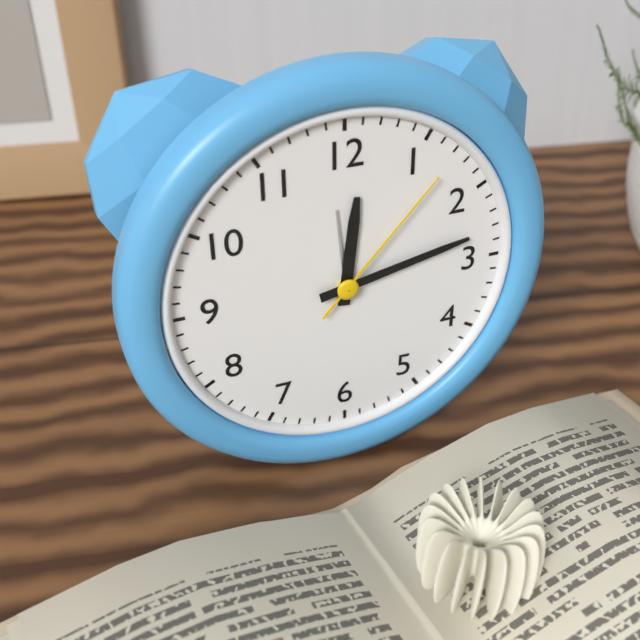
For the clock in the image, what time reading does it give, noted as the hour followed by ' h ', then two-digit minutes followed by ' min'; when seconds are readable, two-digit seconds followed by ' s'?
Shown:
12 h 13 min 07 s
